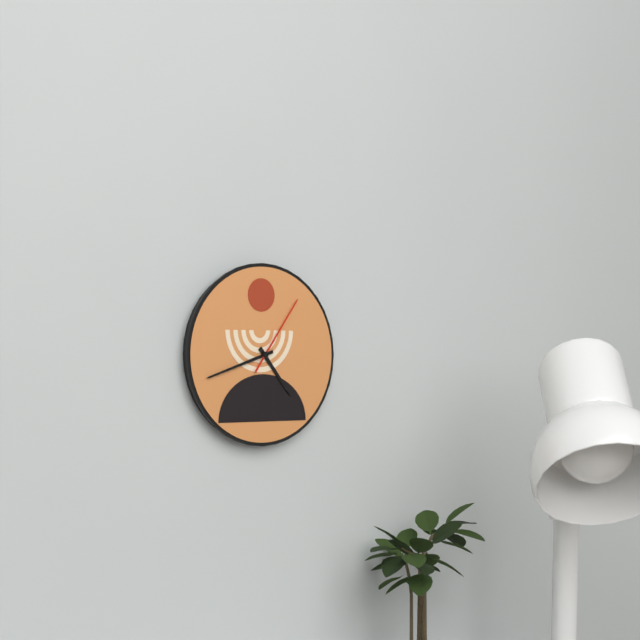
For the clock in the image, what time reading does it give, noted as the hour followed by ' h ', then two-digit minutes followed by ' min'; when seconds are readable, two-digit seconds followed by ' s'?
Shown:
4 h 42 min 06 s
